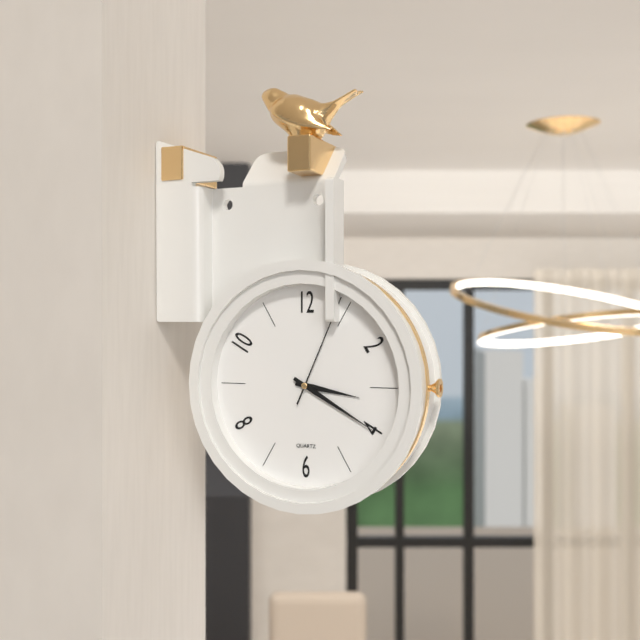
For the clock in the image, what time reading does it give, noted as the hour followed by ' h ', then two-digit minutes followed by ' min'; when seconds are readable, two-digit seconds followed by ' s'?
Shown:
3 h 20 min 04 s
